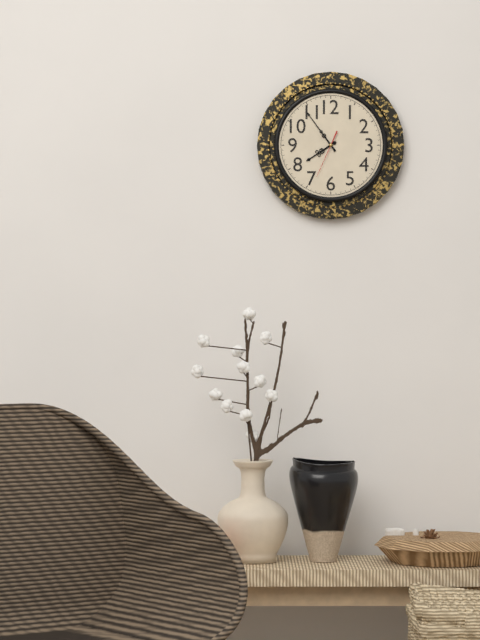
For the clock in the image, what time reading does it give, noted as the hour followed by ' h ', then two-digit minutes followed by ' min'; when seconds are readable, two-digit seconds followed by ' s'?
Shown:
7 h 54 min
